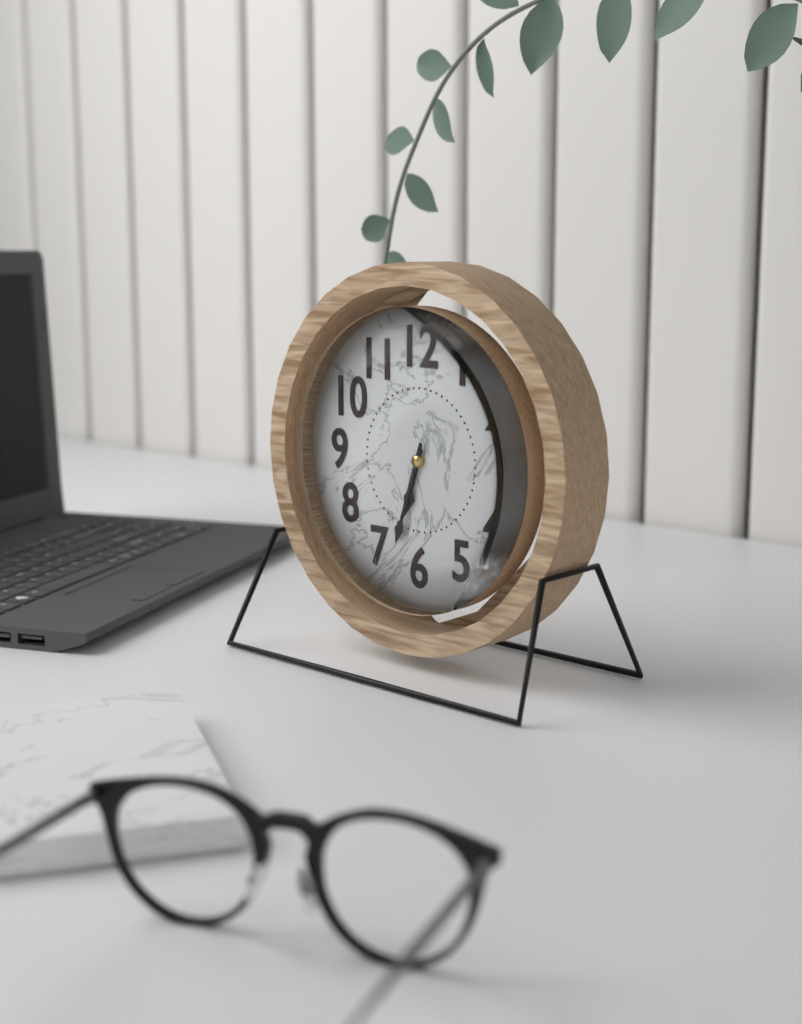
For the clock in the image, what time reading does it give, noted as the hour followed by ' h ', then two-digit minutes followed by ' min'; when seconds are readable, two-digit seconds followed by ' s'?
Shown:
6 h 33 min
